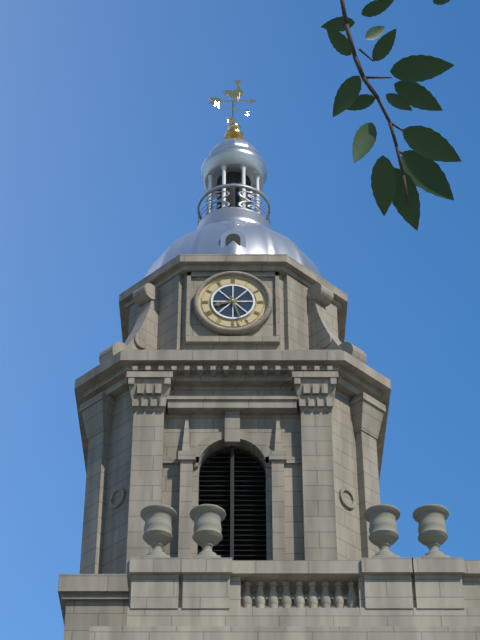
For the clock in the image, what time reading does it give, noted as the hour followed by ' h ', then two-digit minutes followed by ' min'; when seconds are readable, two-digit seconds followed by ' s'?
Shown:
8 h 27 min
